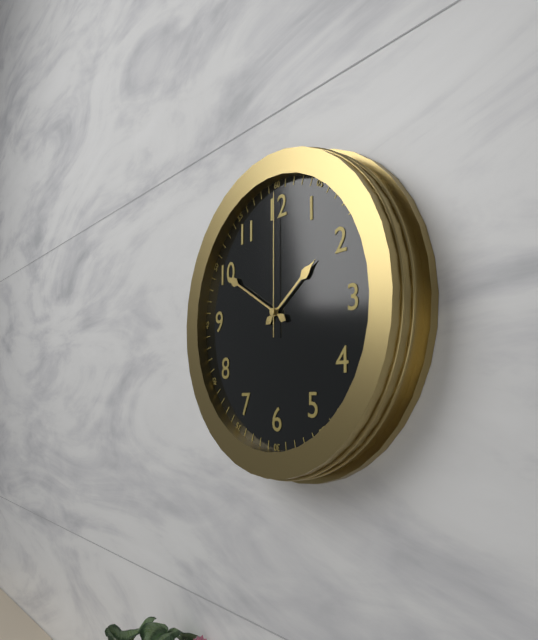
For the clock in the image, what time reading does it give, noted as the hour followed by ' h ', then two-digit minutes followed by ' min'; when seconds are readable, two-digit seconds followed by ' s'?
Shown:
1 h 50 min 00 s
